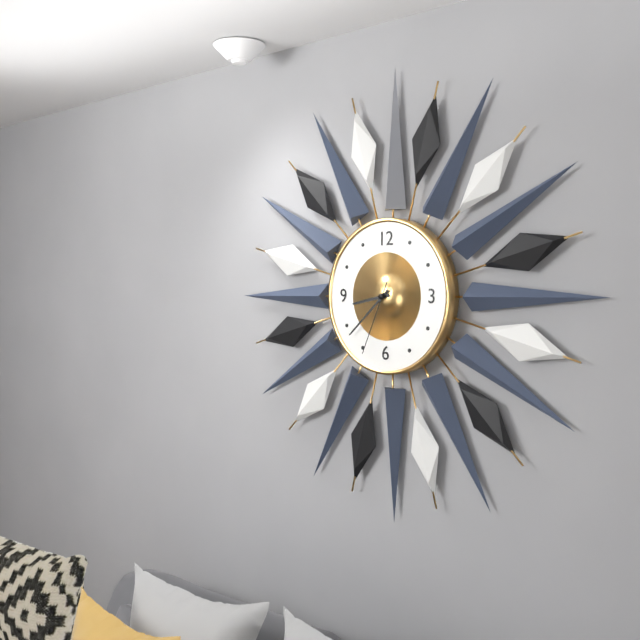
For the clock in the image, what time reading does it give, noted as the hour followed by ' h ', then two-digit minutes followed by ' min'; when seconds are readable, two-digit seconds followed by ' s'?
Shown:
8 h 38 min 34 s
